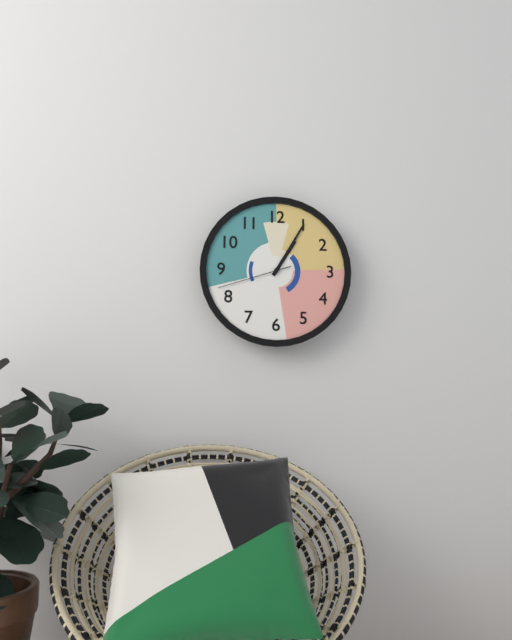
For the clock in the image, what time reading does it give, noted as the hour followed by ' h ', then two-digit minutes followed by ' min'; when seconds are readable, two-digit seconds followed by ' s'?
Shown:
1 h 05 min 42 s
